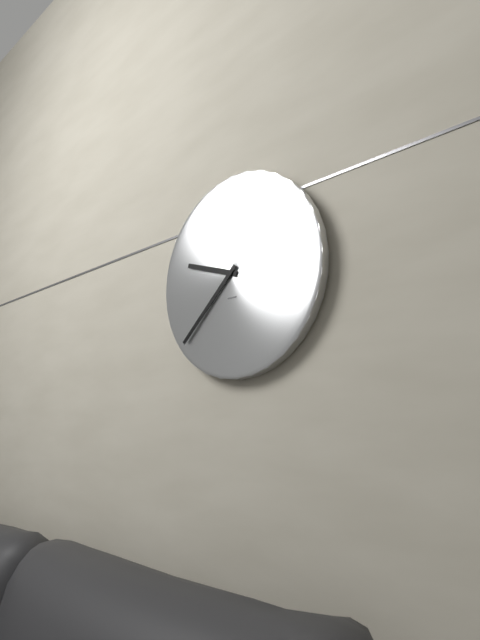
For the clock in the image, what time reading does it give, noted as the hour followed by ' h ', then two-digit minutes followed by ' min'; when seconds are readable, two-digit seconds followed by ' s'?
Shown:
9 h 38 min
